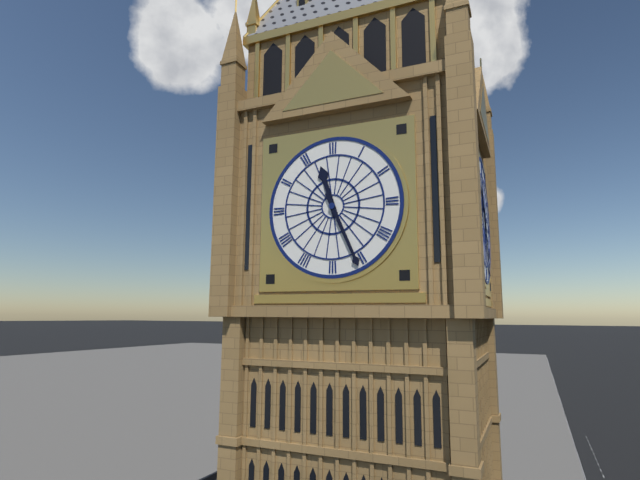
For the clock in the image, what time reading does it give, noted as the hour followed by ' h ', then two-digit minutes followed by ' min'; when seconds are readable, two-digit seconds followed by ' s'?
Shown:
11 h 26 min
